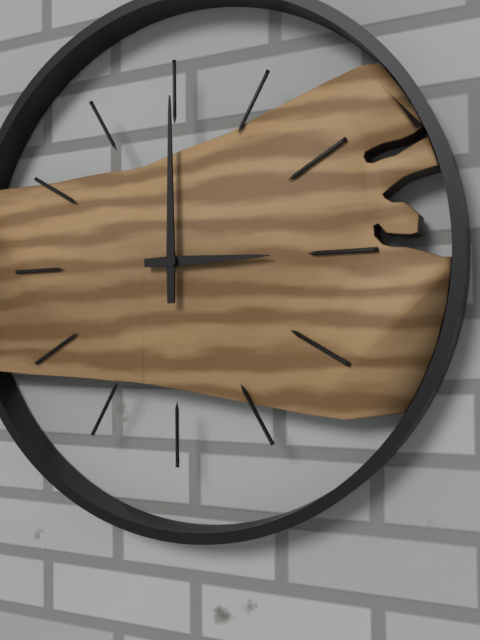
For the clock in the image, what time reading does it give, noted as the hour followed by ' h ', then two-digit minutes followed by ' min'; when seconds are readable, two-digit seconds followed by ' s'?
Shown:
3 h 00 min
